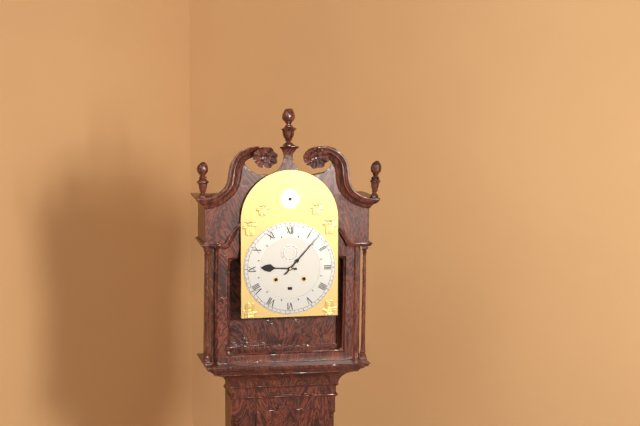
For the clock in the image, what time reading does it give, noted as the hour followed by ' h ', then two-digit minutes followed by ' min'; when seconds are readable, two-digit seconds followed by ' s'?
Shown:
9 h 07 min
